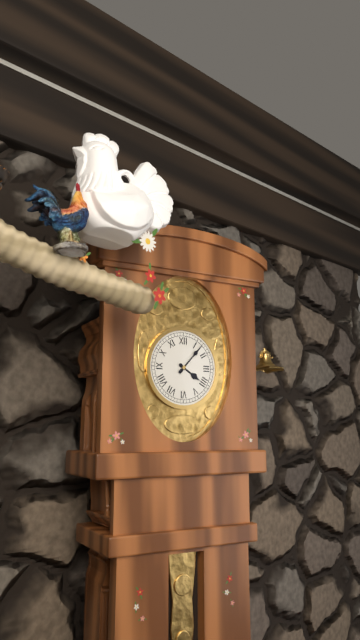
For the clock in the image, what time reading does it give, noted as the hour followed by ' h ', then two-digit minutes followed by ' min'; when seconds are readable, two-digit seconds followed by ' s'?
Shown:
4 h 07 min
